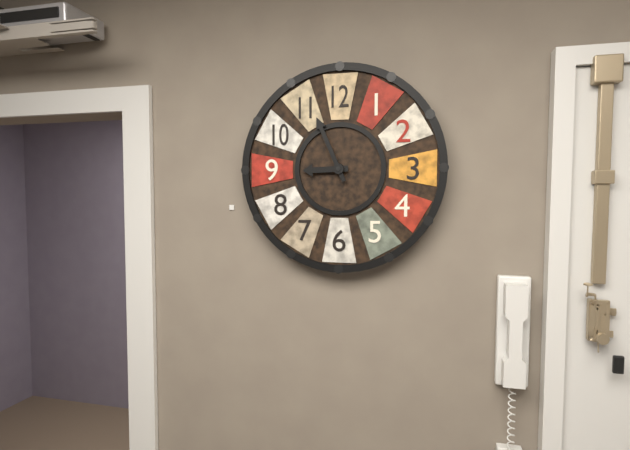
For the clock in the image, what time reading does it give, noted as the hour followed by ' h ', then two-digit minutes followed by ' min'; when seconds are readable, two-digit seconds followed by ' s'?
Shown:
8 h 56 min
